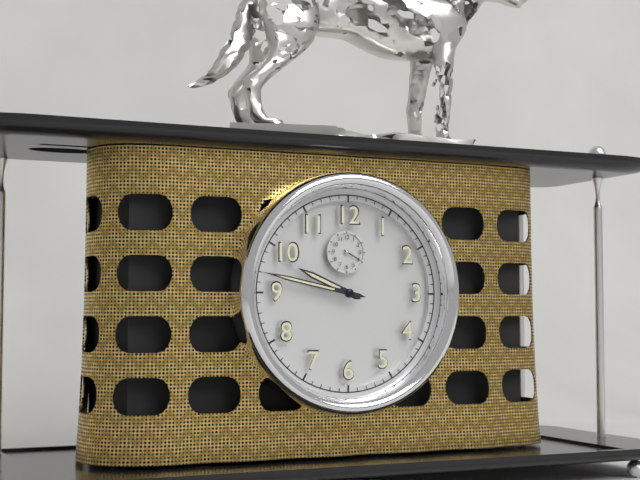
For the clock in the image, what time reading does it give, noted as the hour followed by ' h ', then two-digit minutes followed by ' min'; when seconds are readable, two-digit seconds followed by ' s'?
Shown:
9 h 47 min
